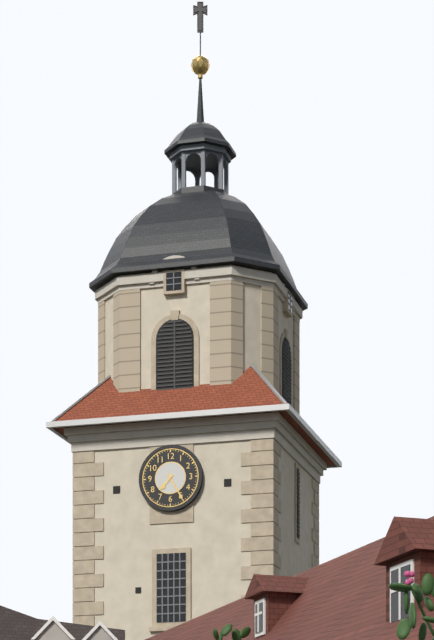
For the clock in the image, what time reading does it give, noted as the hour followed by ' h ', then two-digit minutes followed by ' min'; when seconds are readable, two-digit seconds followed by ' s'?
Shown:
7 h 25 min
